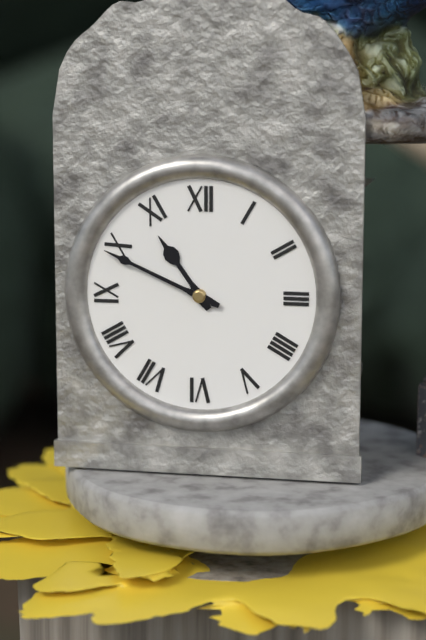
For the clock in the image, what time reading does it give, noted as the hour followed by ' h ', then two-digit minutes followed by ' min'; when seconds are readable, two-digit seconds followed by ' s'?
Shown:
10 h 49 min
